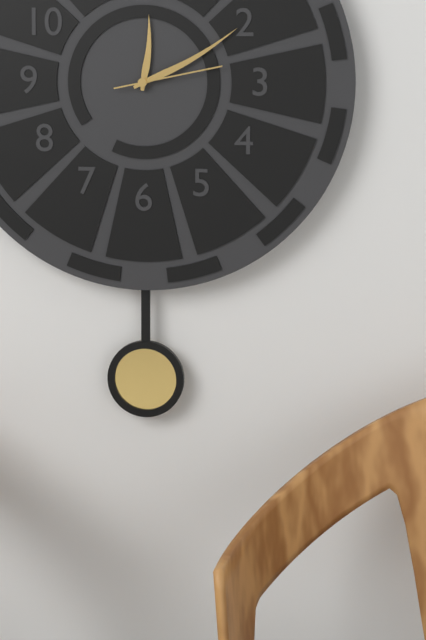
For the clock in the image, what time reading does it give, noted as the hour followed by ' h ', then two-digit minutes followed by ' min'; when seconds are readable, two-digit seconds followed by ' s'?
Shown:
12 h 10 min 13 s
